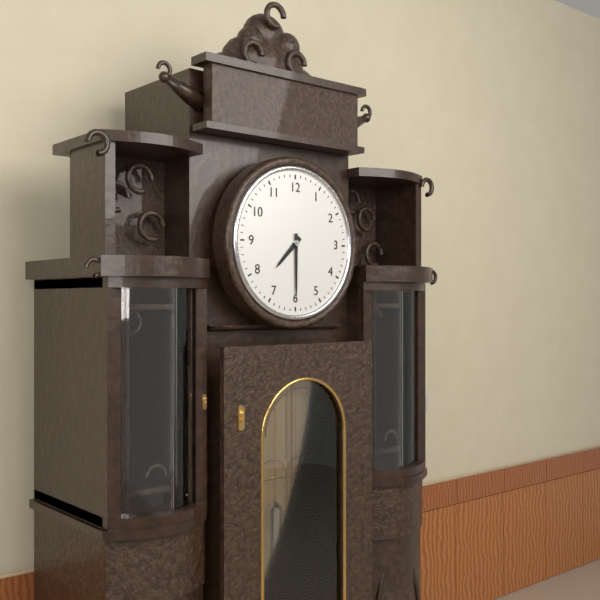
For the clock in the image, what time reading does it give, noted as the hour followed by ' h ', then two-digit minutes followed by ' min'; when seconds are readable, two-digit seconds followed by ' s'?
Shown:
7 h 30 min
